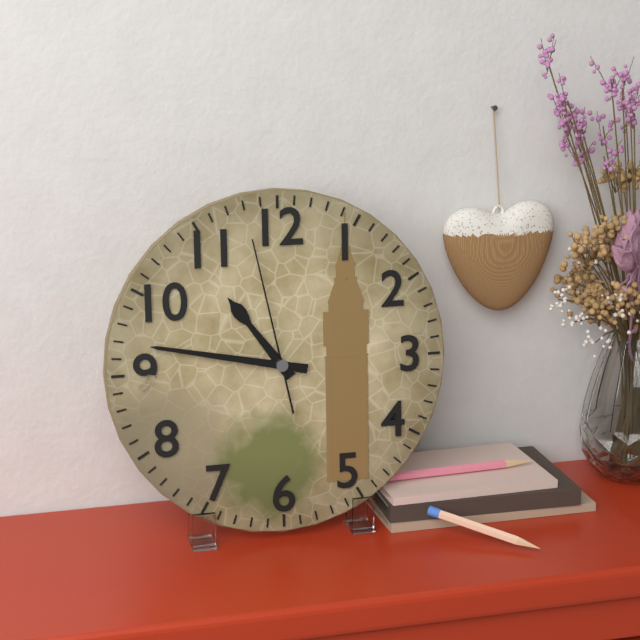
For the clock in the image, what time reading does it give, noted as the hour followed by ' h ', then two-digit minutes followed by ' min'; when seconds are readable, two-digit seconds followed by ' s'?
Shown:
10 h 47 min 58 s
